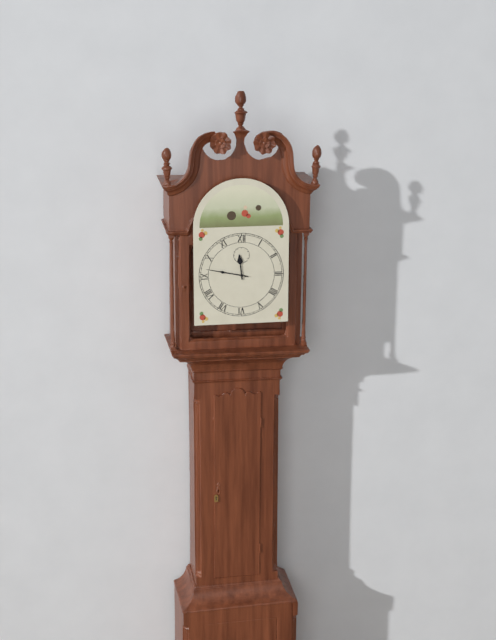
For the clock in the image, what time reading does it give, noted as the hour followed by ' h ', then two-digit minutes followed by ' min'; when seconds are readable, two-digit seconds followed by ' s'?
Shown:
11 h 47 min
